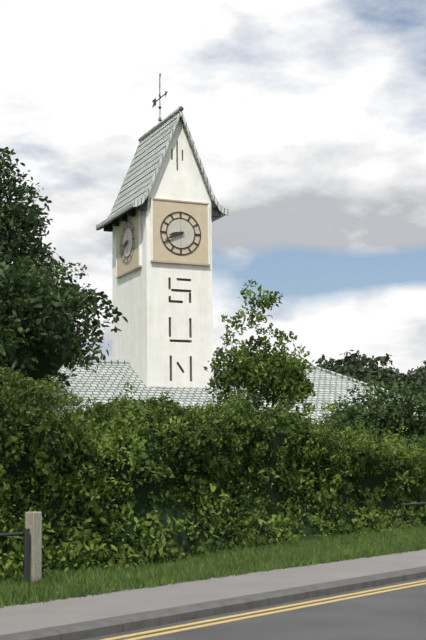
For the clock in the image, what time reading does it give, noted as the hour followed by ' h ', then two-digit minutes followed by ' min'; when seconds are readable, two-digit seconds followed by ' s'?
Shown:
8 h 41 min
